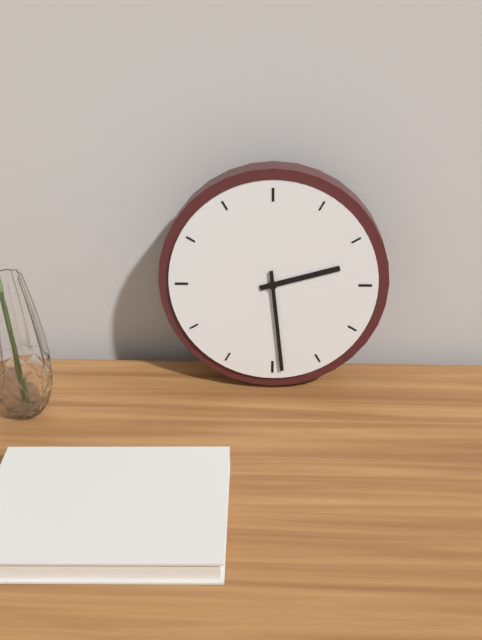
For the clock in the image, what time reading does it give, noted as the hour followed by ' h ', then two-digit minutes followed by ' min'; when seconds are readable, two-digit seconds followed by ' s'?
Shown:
2 h 29 min
